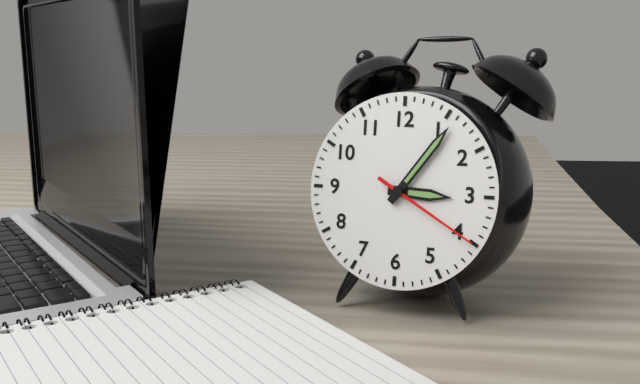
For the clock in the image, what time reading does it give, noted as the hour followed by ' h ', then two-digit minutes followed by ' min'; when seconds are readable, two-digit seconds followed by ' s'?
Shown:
3 h 06 min 20 s
